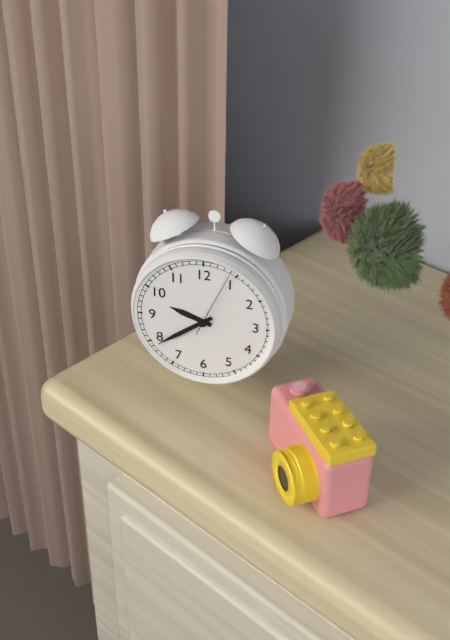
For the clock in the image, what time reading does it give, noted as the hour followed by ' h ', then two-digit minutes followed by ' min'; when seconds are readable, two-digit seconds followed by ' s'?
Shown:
9 h 39 min 04 s
